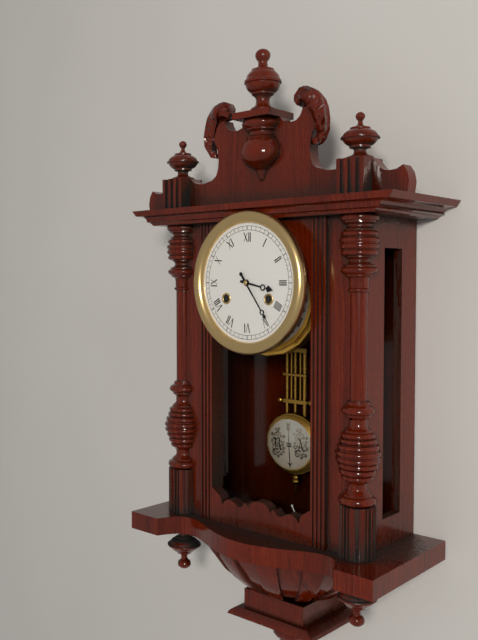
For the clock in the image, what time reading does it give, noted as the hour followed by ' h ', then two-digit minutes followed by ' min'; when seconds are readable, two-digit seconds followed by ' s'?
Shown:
3 h 24 min
